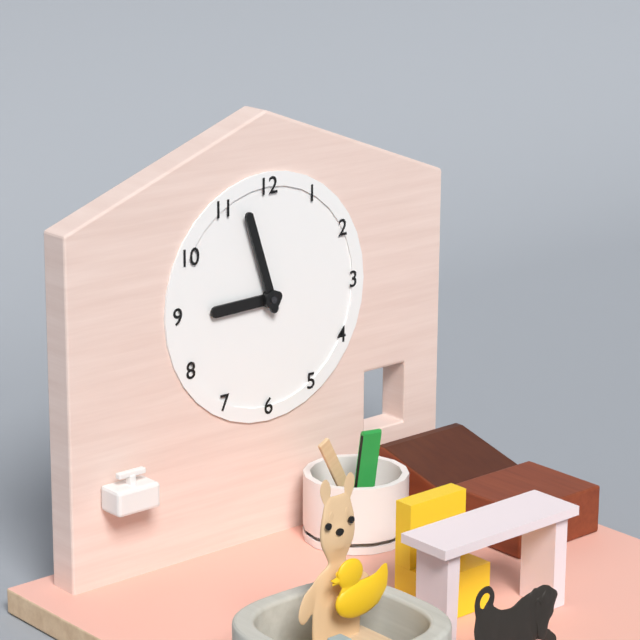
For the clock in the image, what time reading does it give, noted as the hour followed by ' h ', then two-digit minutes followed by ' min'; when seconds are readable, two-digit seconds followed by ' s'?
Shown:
8 h 57 min
